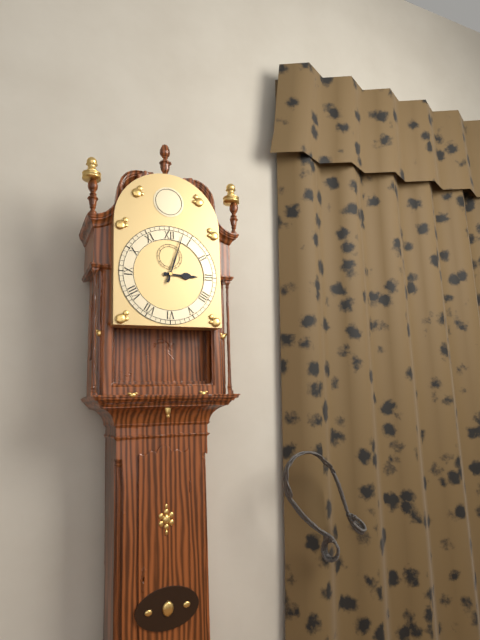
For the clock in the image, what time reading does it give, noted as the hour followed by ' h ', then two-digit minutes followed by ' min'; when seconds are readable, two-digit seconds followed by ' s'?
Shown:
3 h 03 min
